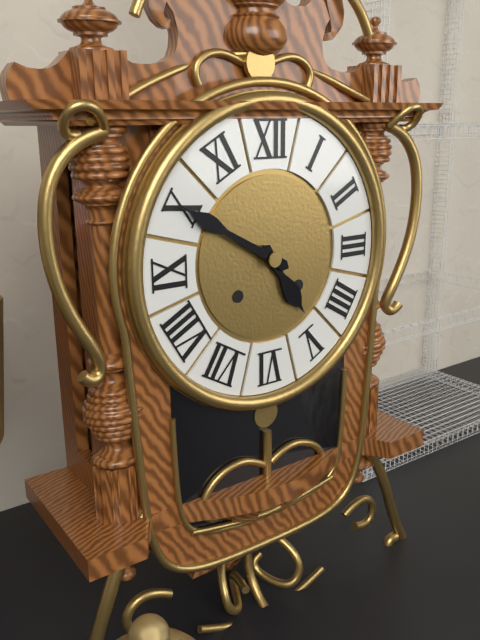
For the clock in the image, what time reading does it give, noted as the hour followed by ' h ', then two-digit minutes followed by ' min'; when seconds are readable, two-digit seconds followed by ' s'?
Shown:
4 h 50 min
